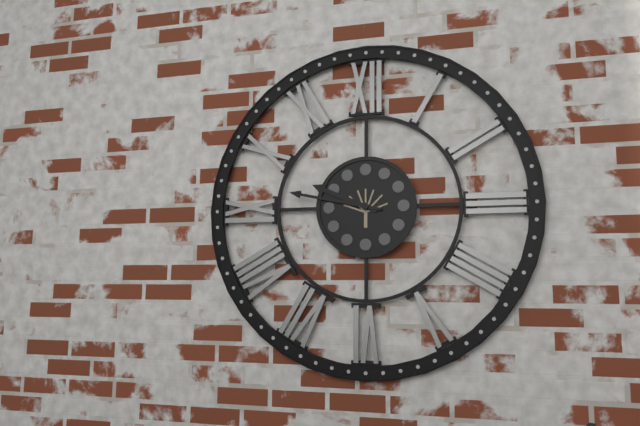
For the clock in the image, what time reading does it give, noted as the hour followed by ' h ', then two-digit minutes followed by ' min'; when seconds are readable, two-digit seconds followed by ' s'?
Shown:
9 h 47 min
